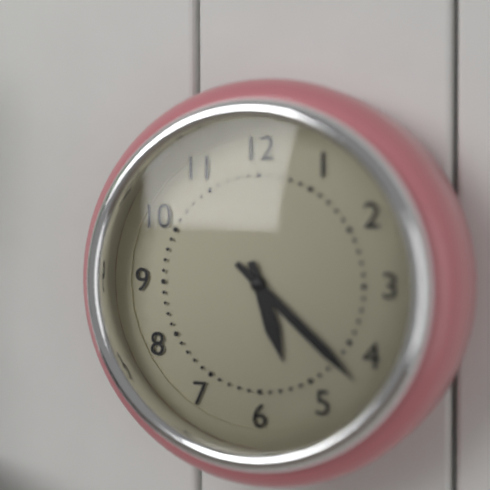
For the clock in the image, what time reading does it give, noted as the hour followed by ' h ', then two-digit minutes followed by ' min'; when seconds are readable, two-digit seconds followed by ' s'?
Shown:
5 h 22 min
